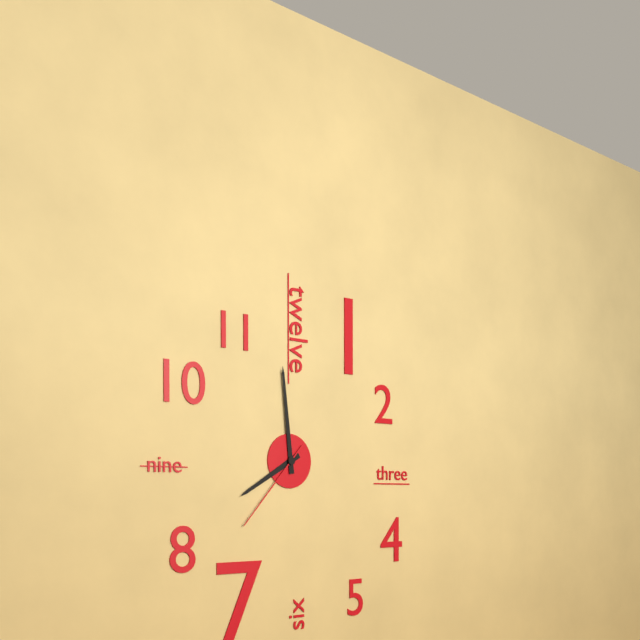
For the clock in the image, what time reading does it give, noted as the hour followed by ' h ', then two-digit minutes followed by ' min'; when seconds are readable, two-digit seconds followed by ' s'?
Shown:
7 h 59 min 37 s
